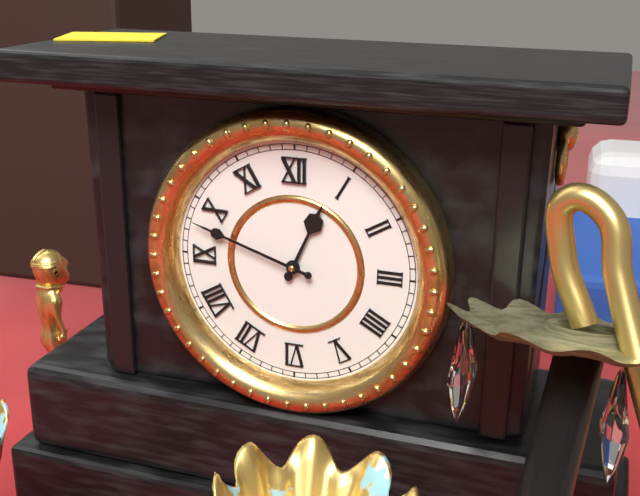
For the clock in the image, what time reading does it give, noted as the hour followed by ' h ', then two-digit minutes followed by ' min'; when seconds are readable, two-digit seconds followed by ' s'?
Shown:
12 h 48 min
